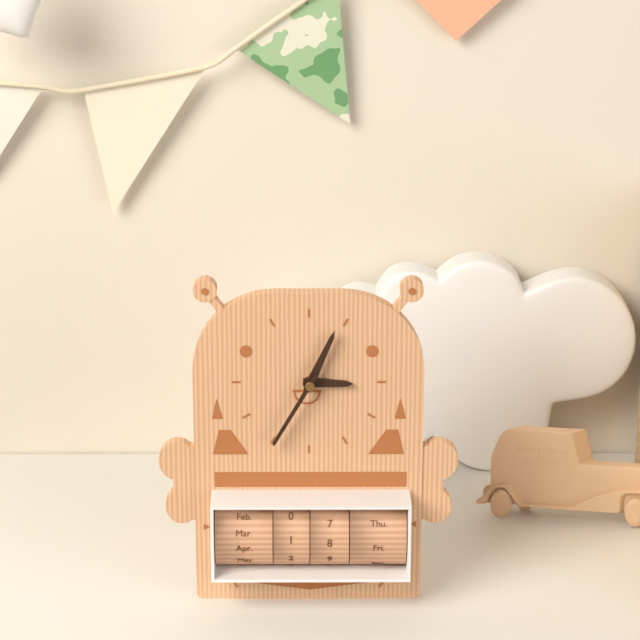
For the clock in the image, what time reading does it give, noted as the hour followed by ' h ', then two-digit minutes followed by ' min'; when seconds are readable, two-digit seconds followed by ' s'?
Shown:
3 h 04 min 35 s
